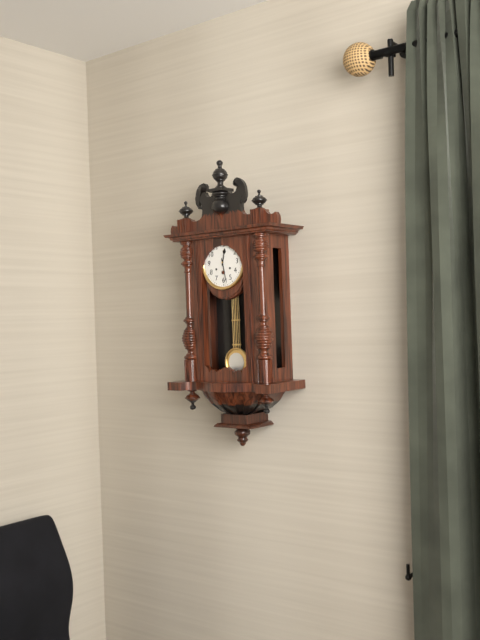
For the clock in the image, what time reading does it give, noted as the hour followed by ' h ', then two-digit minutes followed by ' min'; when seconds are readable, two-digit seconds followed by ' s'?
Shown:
12 h 28 min
